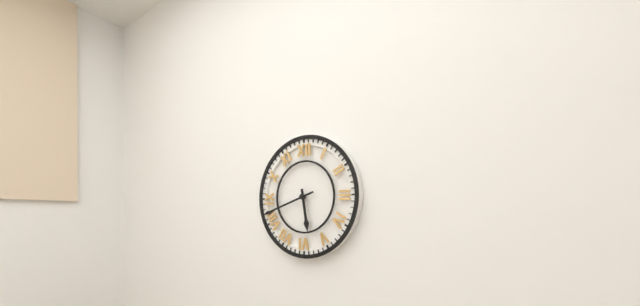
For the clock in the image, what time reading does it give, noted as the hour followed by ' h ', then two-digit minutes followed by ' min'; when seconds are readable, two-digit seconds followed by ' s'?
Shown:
5 h 42 min
